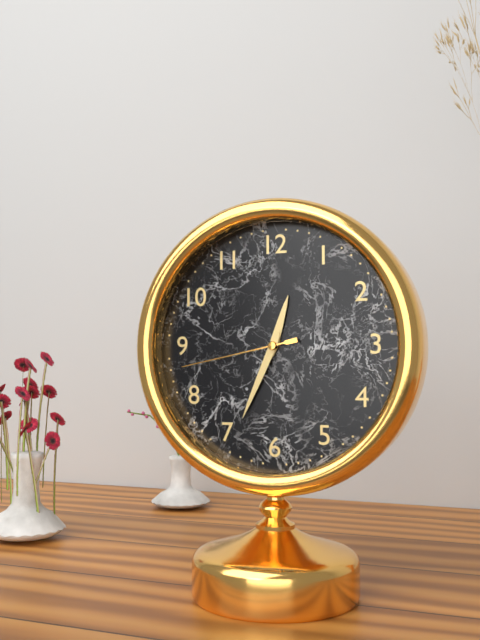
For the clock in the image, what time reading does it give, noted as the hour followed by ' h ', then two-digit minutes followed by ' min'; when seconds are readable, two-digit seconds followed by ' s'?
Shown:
12 h 34 min 43 s
